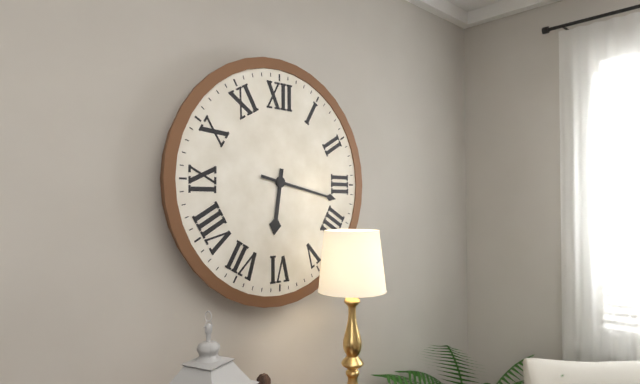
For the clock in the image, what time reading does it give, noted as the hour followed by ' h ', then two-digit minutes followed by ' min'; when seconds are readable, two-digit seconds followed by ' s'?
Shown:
6 h 17 min
